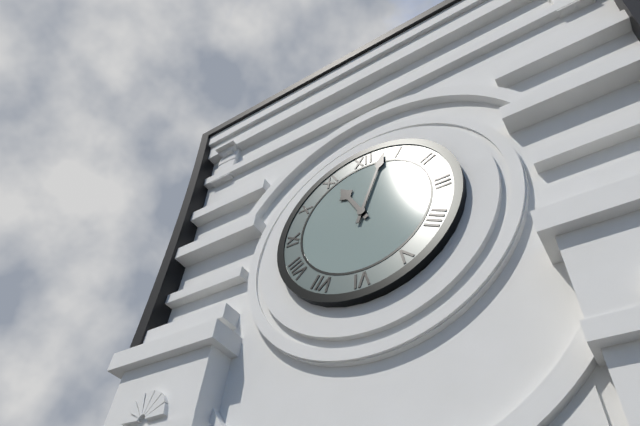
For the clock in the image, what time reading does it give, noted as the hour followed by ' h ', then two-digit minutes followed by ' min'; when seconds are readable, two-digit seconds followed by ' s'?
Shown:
11 h 03 min
